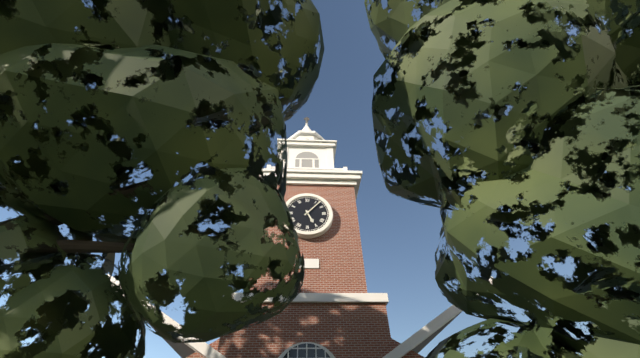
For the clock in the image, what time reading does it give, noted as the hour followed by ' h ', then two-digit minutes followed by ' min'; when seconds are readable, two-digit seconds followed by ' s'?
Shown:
5 h 07 min
